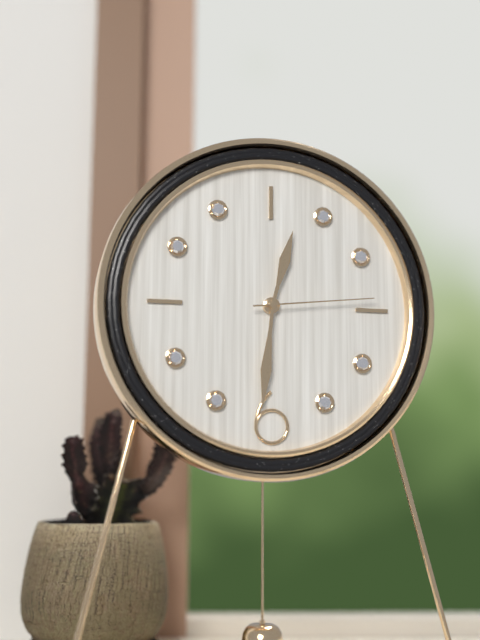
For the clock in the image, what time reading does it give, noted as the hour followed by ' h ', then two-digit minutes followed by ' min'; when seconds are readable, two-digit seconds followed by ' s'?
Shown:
12 h 31 min 14 s
